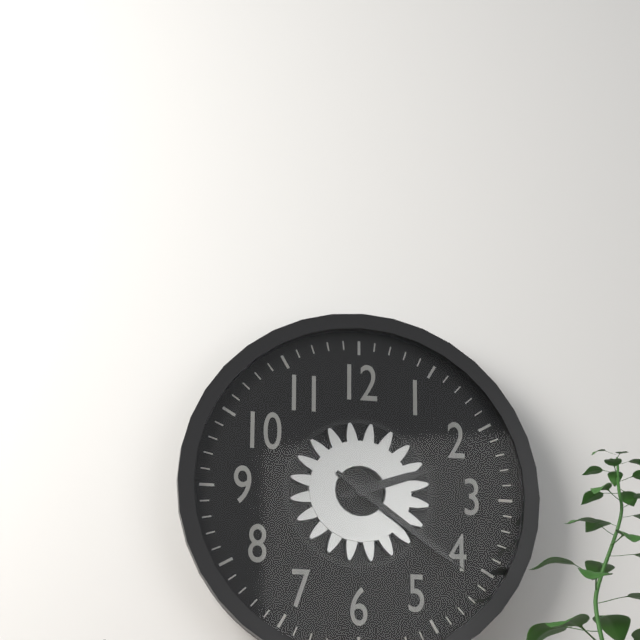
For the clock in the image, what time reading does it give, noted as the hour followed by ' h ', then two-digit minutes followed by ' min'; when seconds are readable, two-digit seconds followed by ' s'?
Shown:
2 h 21 min
